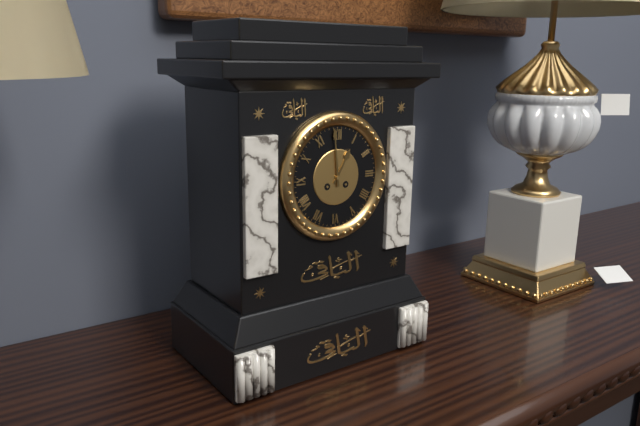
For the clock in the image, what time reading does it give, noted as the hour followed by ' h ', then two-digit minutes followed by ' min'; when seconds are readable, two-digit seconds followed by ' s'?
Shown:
12 h 59 min
